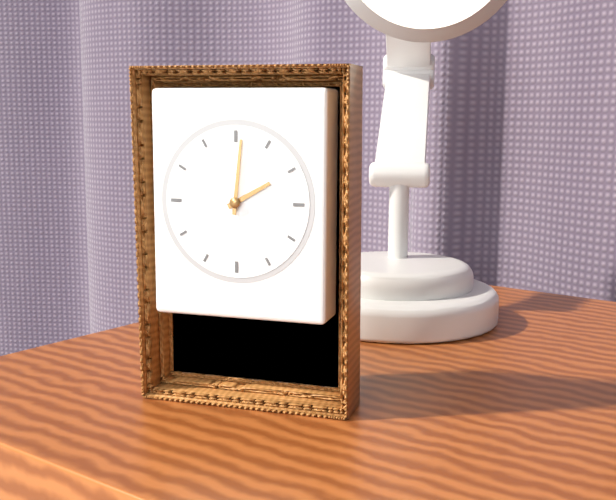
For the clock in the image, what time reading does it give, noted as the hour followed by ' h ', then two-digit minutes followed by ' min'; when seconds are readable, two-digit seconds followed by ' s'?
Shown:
2 h 01 min
